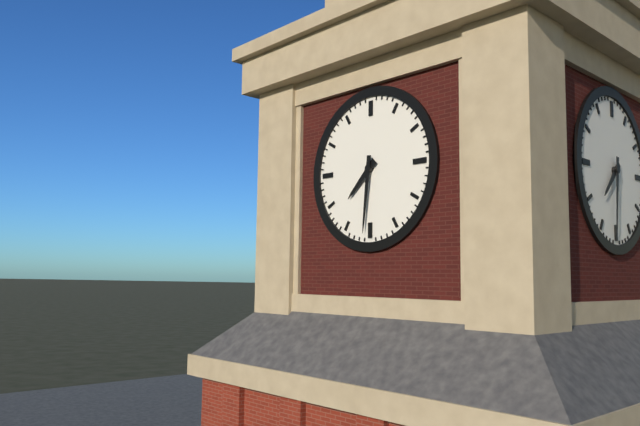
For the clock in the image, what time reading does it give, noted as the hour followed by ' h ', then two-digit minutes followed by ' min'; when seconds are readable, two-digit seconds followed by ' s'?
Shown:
7 h 31 min
